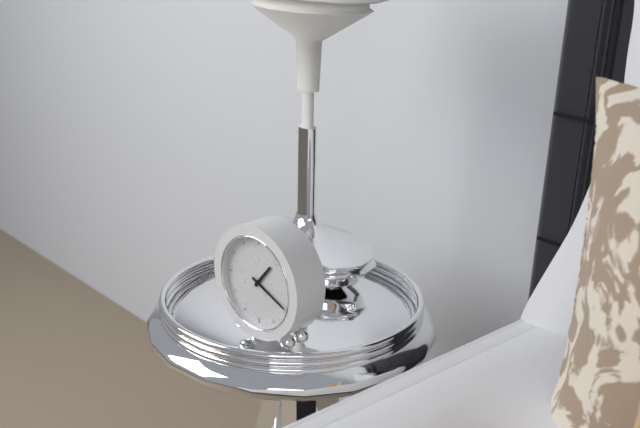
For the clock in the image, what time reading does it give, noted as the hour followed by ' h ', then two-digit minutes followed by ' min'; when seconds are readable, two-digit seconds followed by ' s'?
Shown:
1 h 19 min
